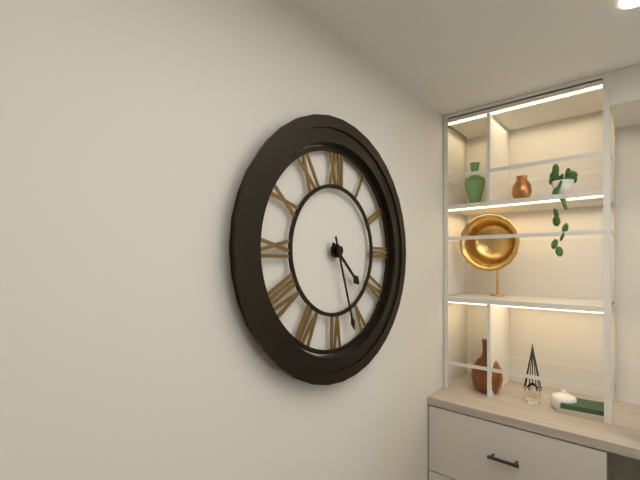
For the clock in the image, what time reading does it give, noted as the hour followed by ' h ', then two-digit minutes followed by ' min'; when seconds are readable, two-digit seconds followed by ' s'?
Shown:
4 h 27 min
